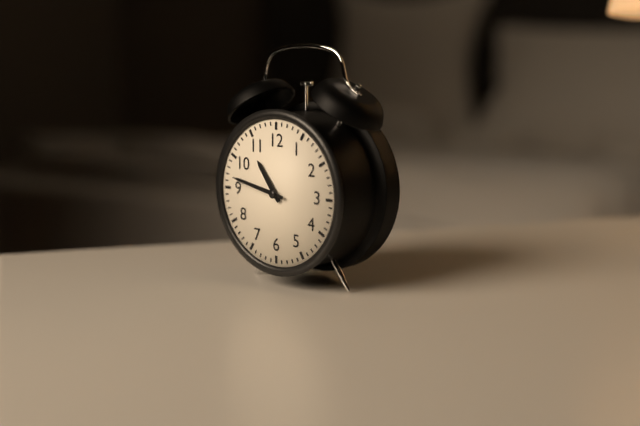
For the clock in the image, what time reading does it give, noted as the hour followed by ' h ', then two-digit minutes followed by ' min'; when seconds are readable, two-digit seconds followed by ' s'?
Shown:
10 h 47 min
